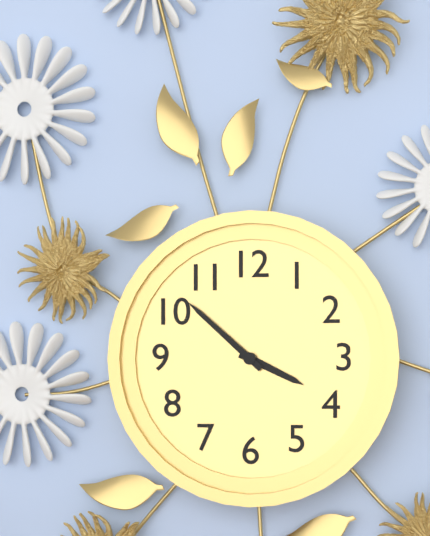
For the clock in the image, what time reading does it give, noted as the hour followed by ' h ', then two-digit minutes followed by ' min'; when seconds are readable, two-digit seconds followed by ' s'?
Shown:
3 h 52 min
